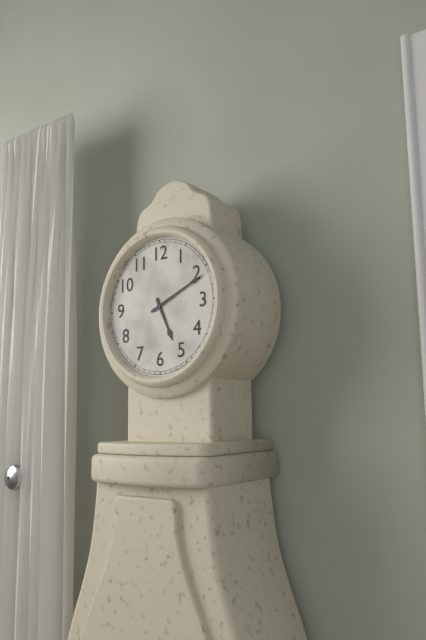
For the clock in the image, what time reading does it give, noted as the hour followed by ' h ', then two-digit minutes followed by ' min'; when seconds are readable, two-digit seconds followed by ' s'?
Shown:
5 h 11 min
